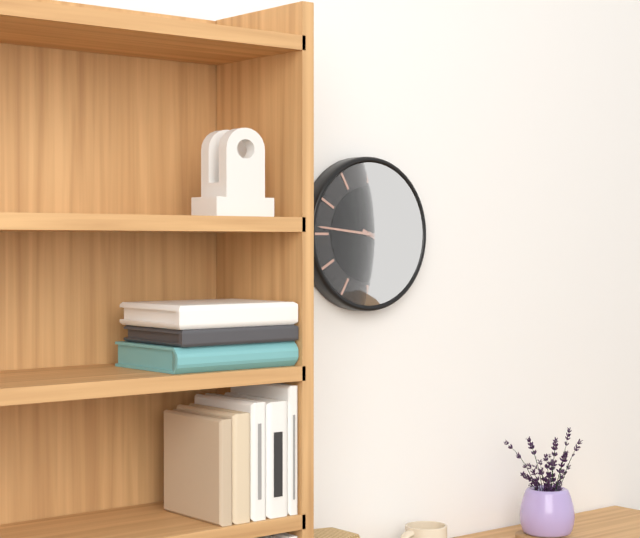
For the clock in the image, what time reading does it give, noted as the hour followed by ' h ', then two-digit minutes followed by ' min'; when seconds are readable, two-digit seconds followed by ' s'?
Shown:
3 h 46 min
